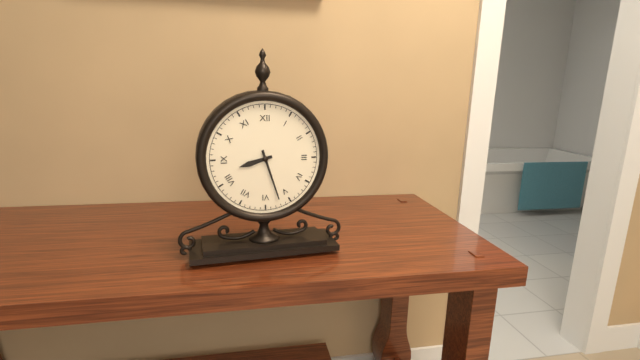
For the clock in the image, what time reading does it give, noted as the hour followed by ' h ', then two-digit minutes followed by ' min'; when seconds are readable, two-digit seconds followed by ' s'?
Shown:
8 h 27 min
